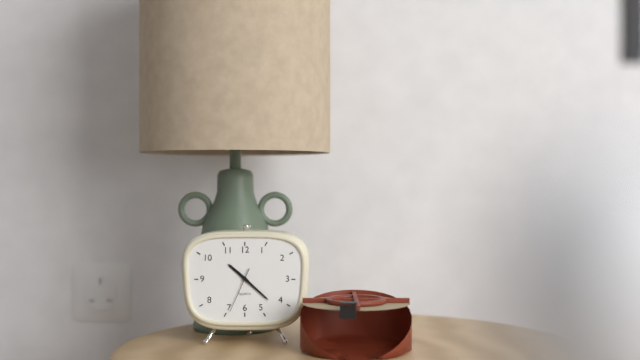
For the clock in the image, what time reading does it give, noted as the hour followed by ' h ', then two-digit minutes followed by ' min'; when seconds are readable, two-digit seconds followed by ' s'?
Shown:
10 h 22 min
